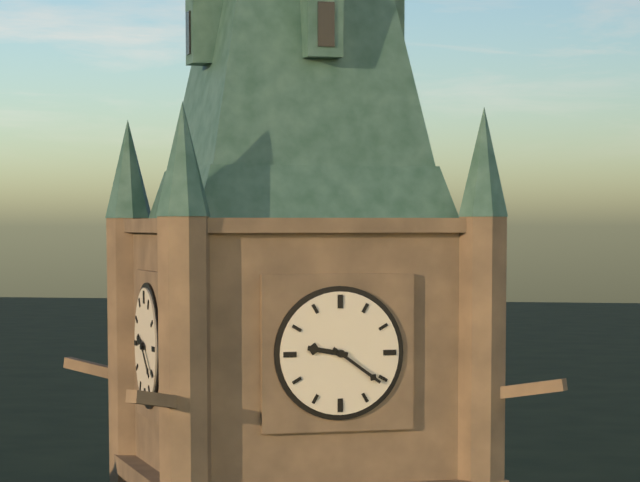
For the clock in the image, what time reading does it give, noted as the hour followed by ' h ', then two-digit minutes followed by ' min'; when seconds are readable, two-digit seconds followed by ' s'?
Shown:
9 h 21 min
